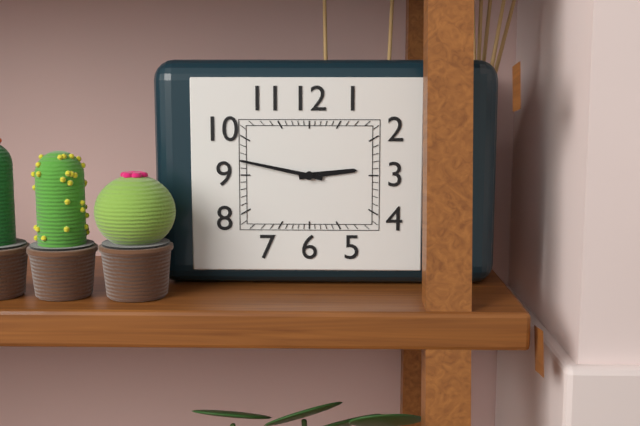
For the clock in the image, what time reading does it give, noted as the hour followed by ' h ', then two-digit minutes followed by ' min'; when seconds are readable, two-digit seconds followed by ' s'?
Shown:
2 h 47 min
